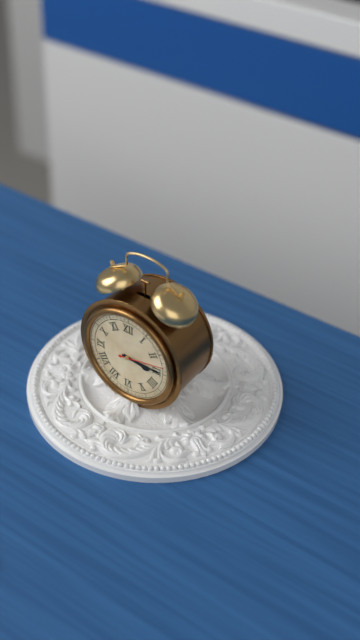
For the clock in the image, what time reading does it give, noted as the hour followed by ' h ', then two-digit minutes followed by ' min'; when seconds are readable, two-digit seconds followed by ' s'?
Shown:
3 h 15 min
